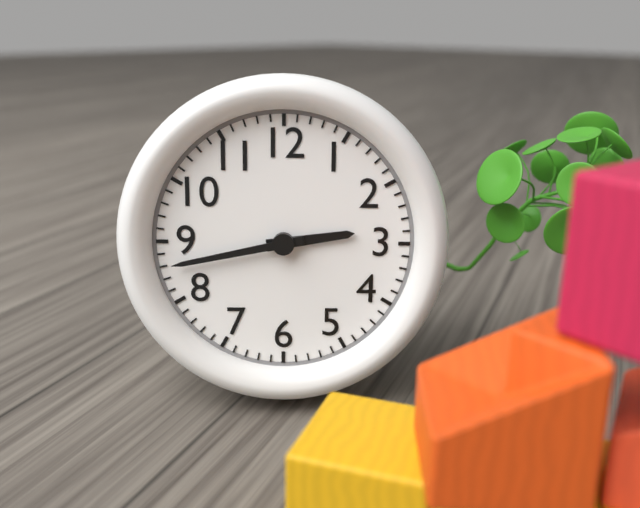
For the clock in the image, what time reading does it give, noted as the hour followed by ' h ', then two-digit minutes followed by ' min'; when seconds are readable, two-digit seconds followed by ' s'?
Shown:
2 h 43 min
